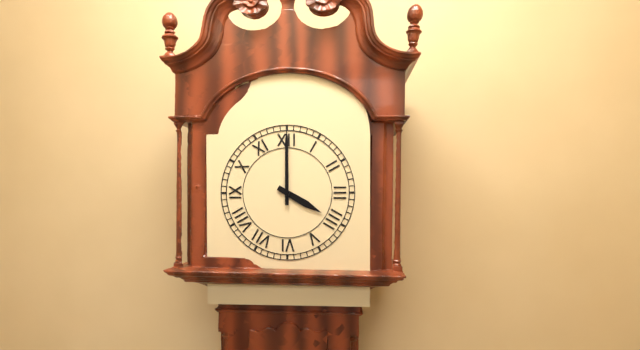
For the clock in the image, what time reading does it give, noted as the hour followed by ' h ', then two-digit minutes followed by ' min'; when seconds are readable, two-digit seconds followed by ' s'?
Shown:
4 h 00 min
